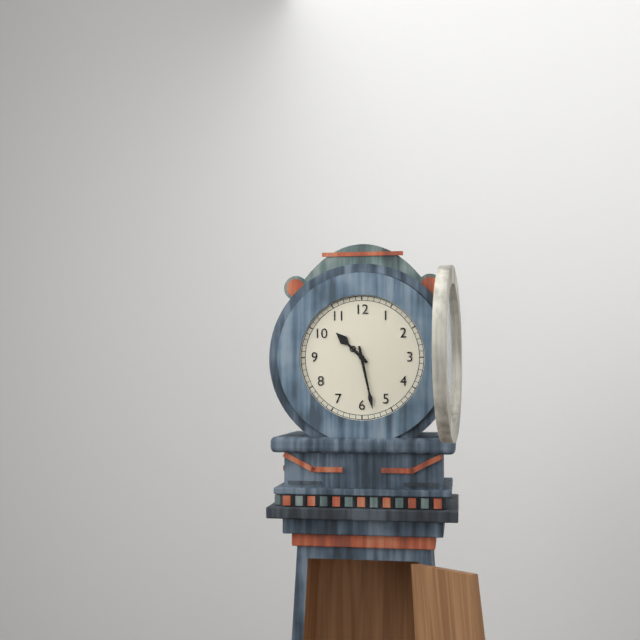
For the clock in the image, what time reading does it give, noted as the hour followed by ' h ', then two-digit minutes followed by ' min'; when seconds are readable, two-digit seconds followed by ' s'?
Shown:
10 h 28 min
